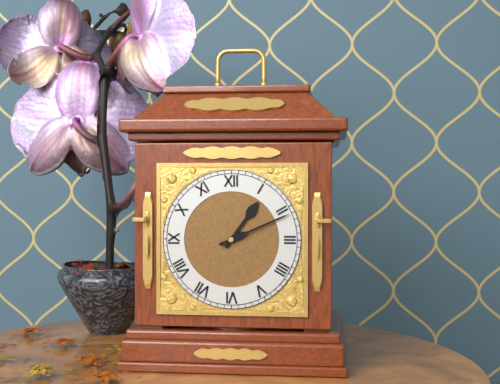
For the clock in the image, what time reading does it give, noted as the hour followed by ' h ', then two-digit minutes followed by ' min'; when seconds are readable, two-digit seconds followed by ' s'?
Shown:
1 h 11 min
